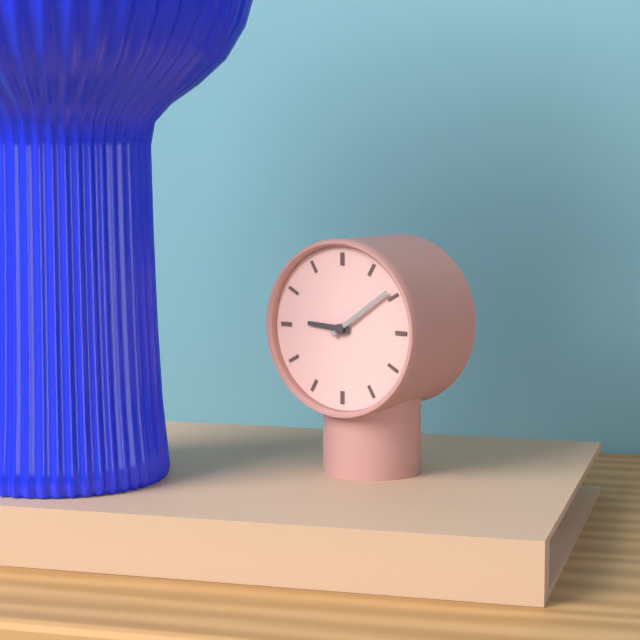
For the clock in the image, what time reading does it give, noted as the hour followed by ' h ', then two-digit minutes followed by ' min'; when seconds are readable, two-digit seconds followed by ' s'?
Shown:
9 h 09 min
